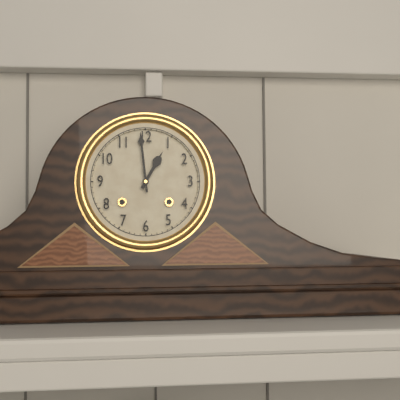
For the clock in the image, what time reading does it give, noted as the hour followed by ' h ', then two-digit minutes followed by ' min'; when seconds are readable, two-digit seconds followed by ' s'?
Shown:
12 h 59 min
